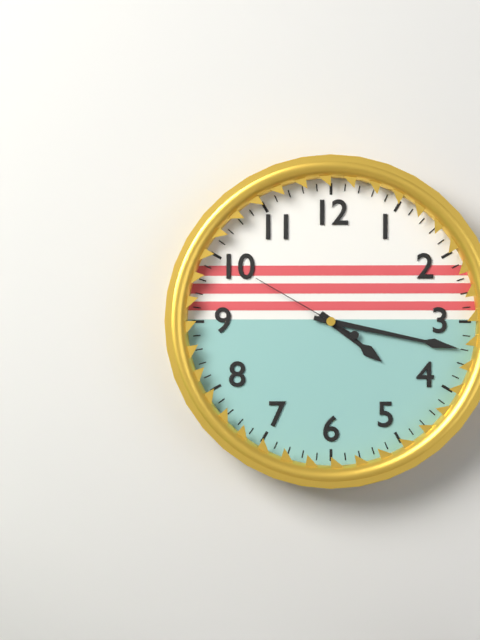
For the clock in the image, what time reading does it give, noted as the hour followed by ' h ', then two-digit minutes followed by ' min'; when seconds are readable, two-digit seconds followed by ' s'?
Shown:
4 h 17 min 50 s
